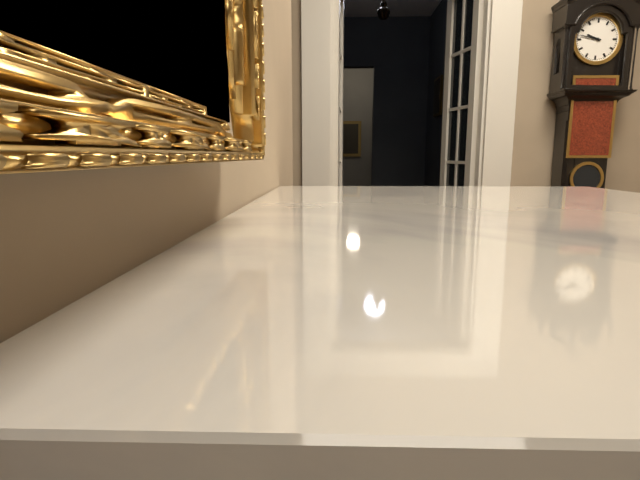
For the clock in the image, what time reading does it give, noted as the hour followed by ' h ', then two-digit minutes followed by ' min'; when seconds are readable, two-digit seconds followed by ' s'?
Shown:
9 h 47 min
